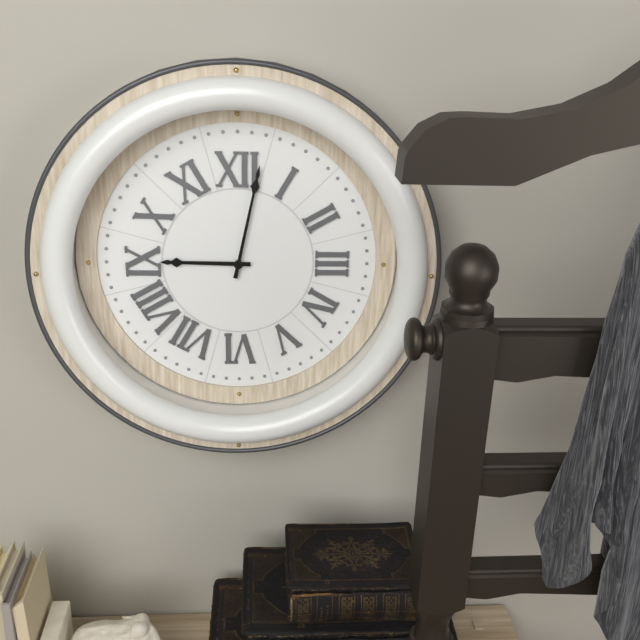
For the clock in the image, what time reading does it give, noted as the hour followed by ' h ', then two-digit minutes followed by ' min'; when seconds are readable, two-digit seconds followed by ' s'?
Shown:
9 h 02 min
